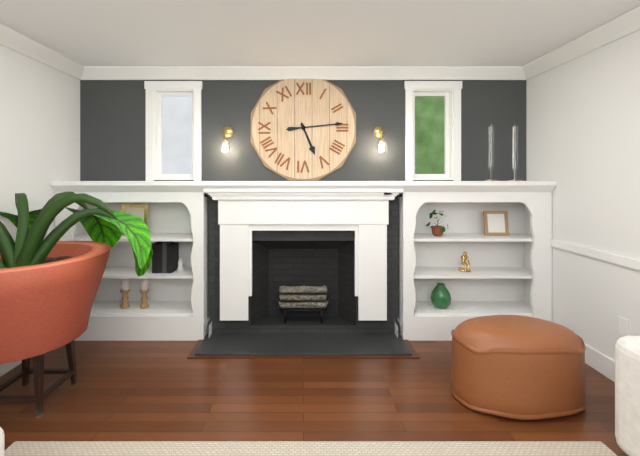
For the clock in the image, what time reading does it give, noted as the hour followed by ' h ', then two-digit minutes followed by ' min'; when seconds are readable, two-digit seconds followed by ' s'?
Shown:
5 h 14 min
